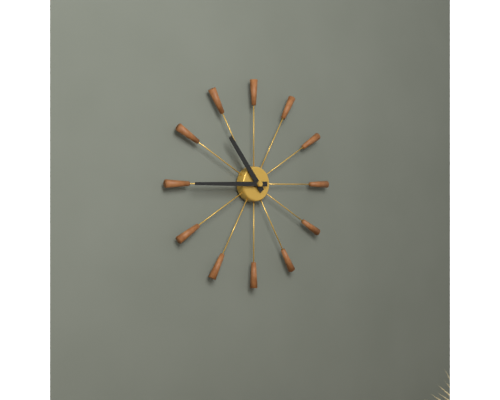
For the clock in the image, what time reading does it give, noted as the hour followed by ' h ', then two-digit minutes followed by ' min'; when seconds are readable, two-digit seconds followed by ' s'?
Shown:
10 h 45 min
